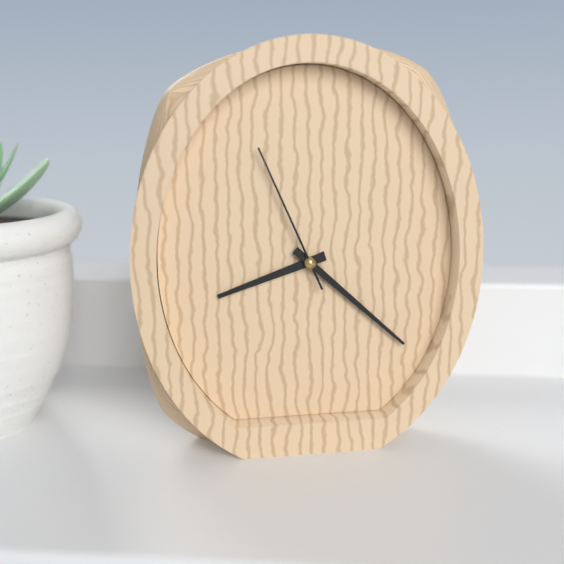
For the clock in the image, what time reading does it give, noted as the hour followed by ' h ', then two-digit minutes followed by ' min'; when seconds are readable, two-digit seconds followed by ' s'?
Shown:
8 h 22 min 56 s
